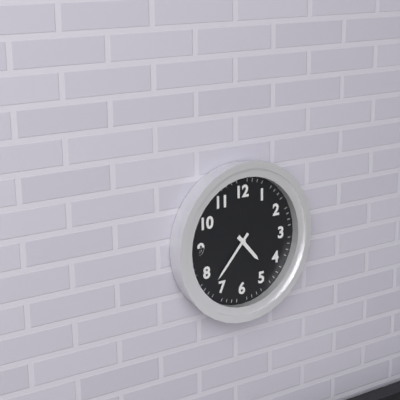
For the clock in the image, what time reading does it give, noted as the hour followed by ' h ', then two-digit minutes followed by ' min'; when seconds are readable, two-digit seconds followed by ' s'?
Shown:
4 h 37 min
